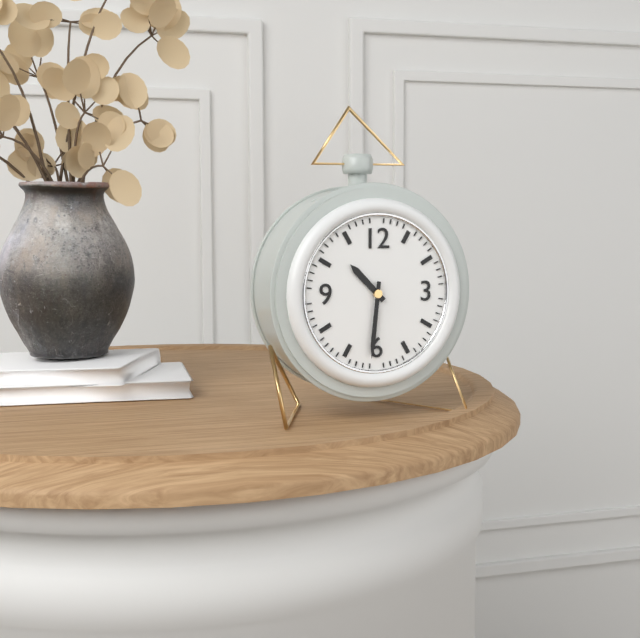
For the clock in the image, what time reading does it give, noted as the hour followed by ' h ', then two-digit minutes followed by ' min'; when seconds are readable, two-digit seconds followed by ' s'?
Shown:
10 h 31 min
